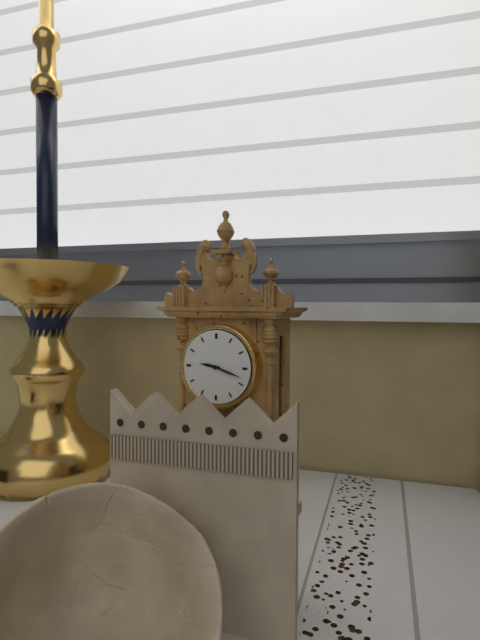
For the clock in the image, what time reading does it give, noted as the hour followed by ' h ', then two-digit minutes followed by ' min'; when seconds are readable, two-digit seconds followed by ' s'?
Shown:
9 h 18 min
